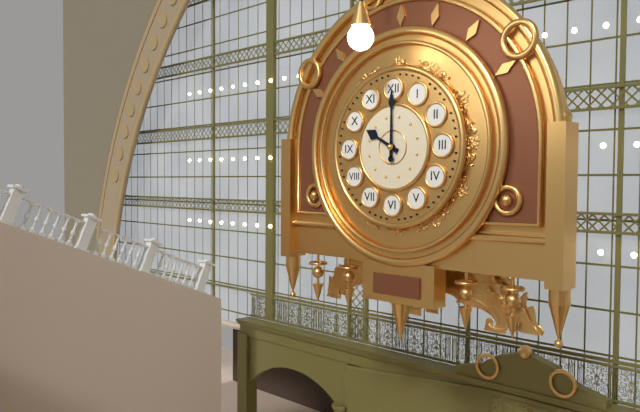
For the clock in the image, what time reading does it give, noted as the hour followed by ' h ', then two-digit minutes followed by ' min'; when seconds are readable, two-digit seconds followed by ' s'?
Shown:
10 h 00 min
